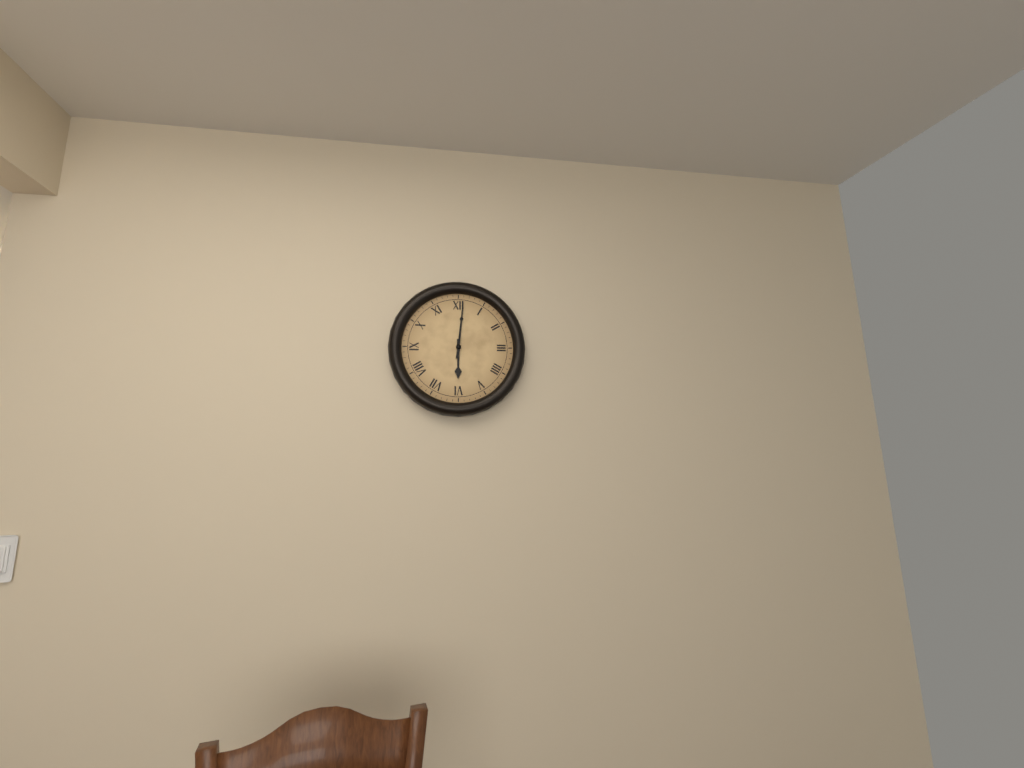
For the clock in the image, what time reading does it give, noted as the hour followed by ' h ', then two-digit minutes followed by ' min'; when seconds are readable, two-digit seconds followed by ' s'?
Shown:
6 h 01 min
